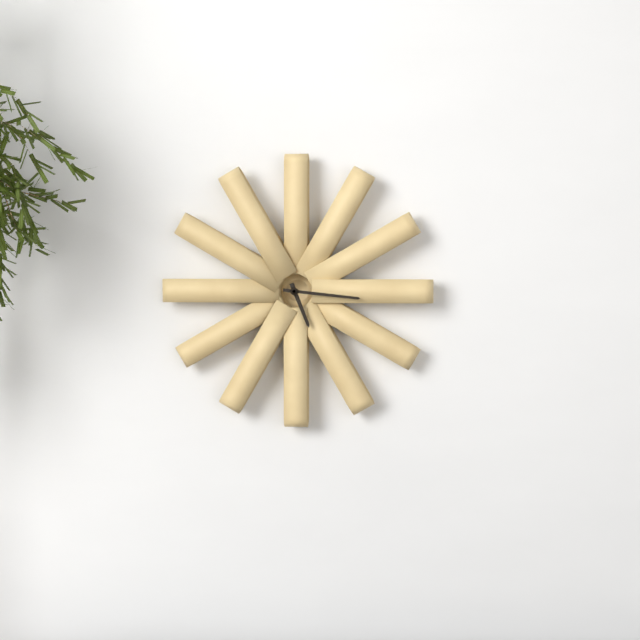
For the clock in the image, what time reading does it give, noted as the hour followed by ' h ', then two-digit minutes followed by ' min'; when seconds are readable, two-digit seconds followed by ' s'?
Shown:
5 h 16 min
